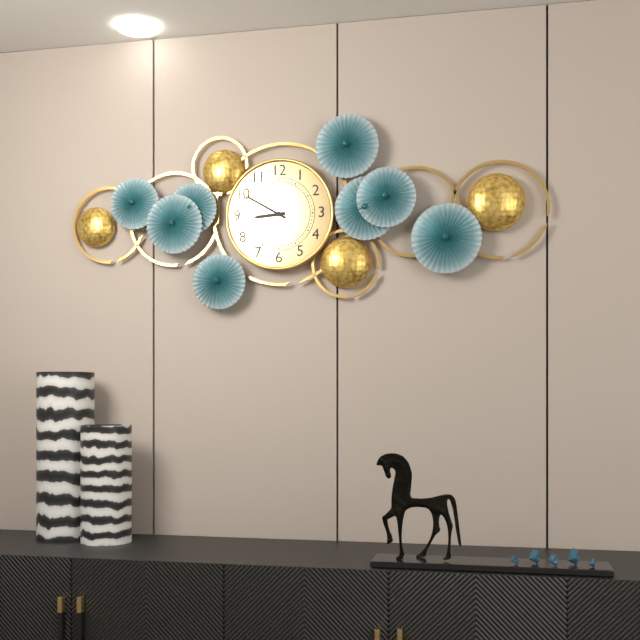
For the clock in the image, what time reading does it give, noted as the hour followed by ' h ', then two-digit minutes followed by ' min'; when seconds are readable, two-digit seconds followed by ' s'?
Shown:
8 h 50 min
